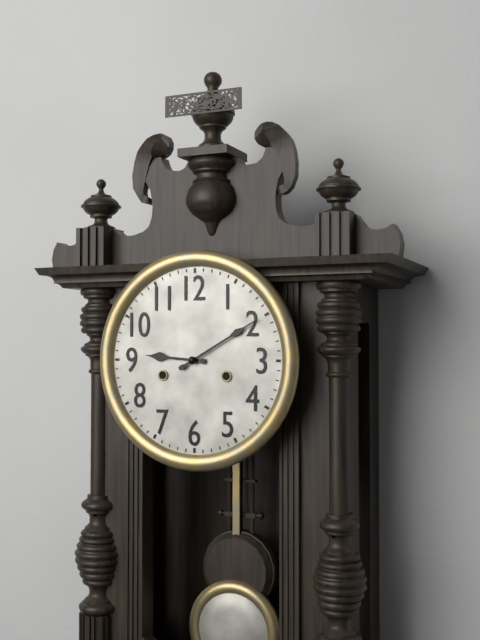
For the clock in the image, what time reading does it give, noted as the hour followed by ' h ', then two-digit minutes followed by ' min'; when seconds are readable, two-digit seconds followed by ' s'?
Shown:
9 h 10 min
